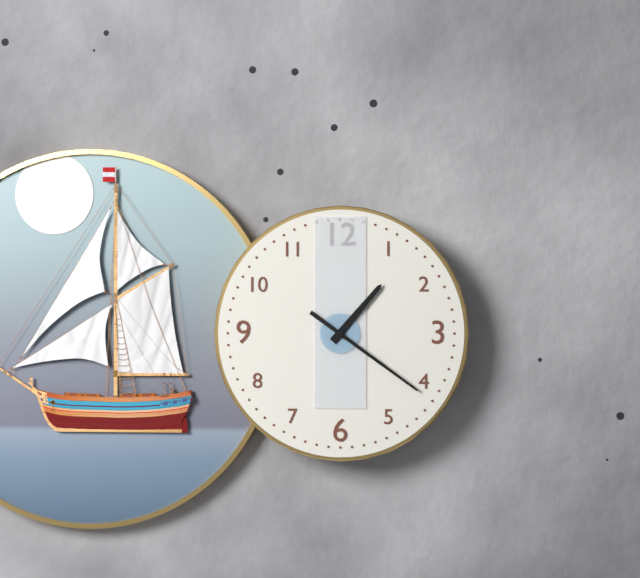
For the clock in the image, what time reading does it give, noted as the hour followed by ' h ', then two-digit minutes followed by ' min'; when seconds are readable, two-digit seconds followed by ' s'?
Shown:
1 h 21 min
